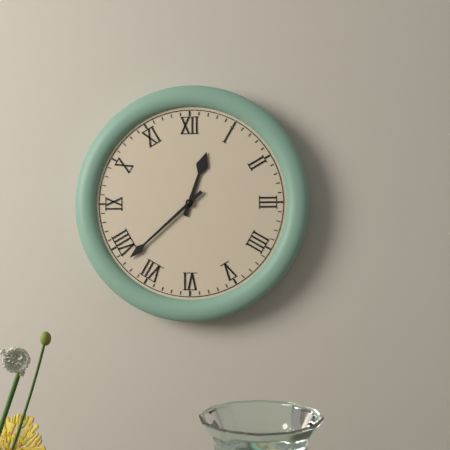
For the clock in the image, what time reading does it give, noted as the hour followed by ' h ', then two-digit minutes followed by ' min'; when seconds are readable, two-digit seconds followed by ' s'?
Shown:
12 h 38 min
